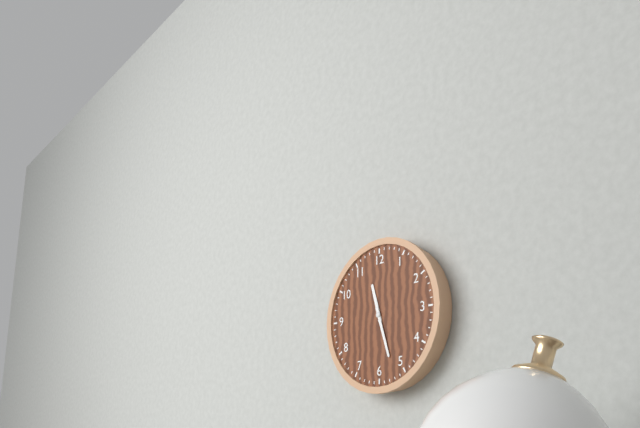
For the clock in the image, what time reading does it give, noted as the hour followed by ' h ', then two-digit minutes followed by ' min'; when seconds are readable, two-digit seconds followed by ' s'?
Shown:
11 h 27 min
